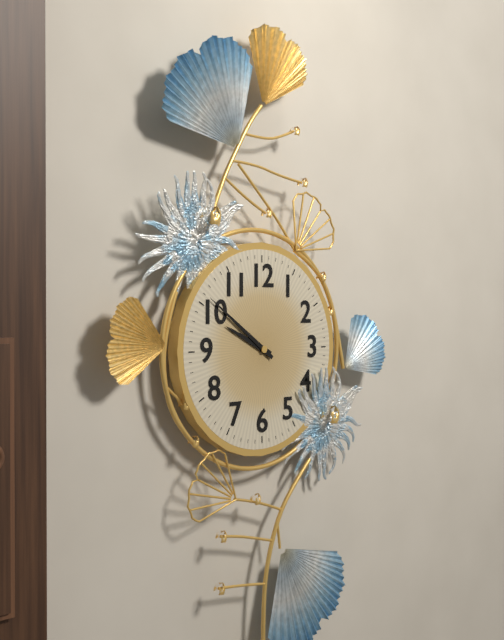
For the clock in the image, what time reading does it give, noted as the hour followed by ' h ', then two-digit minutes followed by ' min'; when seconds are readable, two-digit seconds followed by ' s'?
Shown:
9 h 51 min
